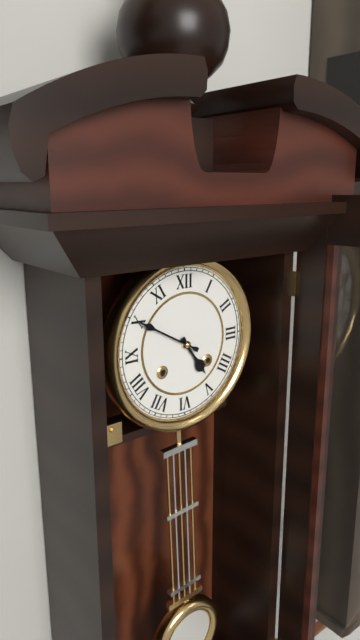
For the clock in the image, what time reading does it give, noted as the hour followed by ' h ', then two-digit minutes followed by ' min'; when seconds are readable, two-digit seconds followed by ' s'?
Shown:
4 h 50 min
